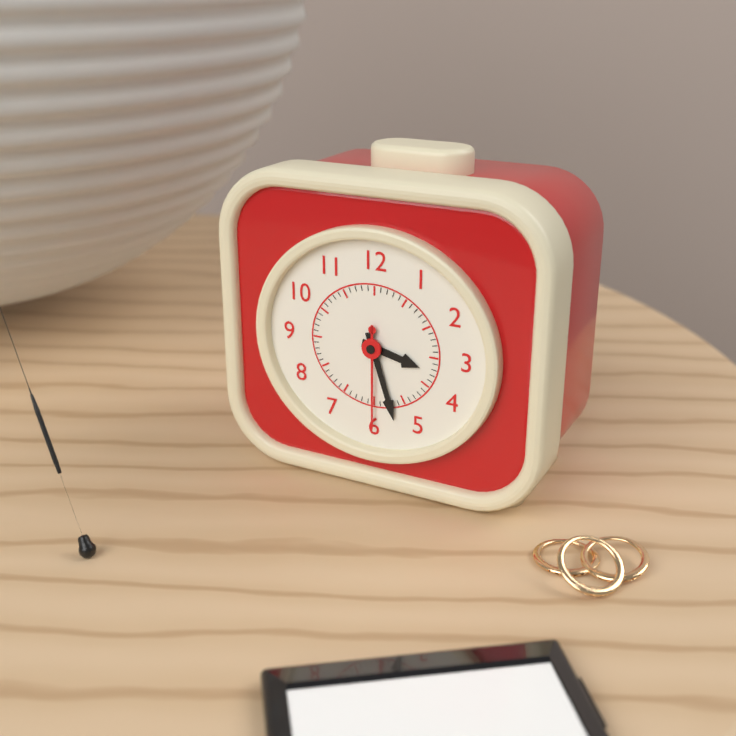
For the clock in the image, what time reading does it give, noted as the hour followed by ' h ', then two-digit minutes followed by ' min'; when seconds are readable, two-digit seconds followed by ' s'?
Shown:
3 h 27 min 30 s
